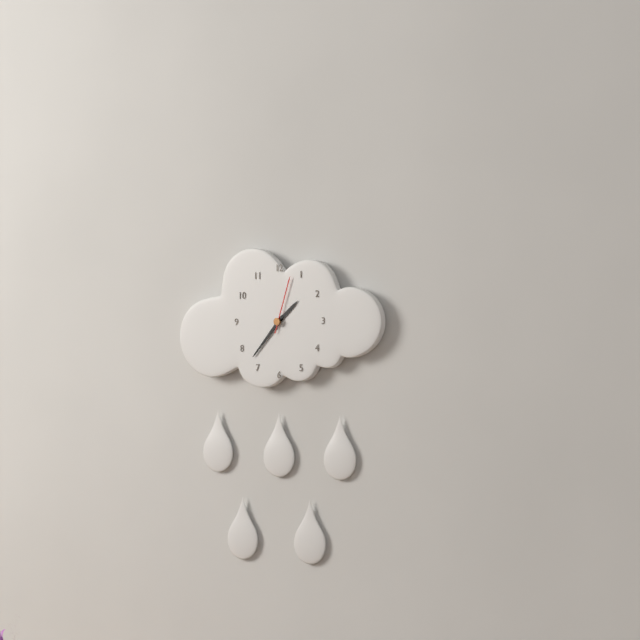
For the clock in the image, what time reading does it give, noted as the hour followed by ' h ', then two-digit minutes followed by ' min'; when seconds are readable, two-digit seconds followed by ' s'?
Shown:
1 h 37 min 03 s
